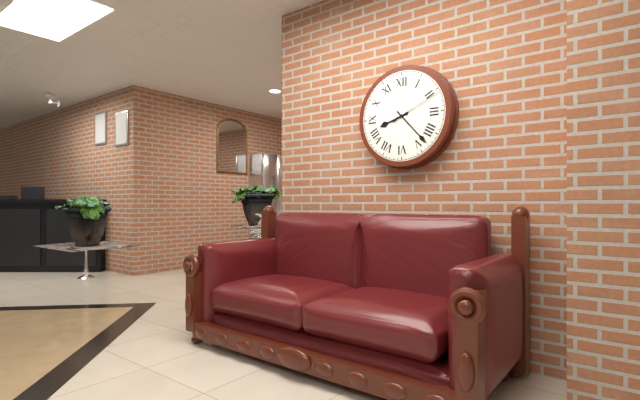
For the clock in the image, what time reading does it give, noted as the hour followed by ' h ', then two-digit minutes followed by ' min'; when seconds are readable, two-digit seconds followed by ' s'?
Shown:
8 h 23 min 11 s
